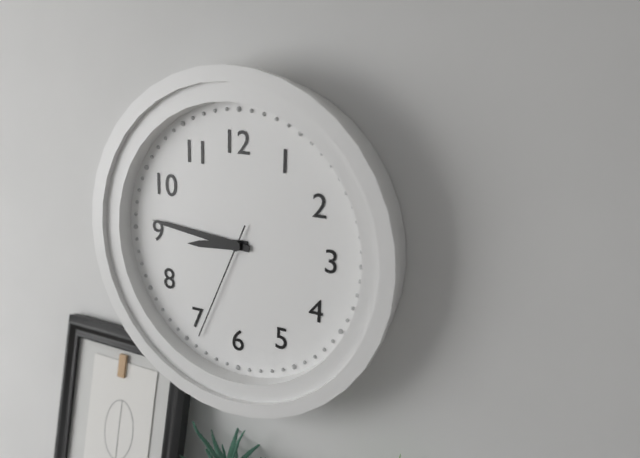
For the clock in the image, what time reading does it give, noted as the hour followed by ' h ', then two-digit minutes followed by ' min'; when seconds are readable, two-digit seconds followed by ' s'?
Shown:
8 h 46 min 34 s
